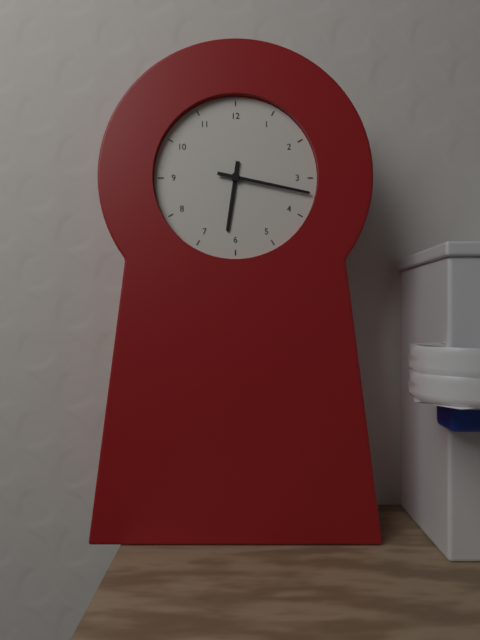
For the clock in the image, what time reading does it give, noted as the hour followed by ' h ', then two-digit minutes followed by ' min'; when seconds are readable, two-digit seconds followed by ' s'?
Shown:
6 h 17 min
